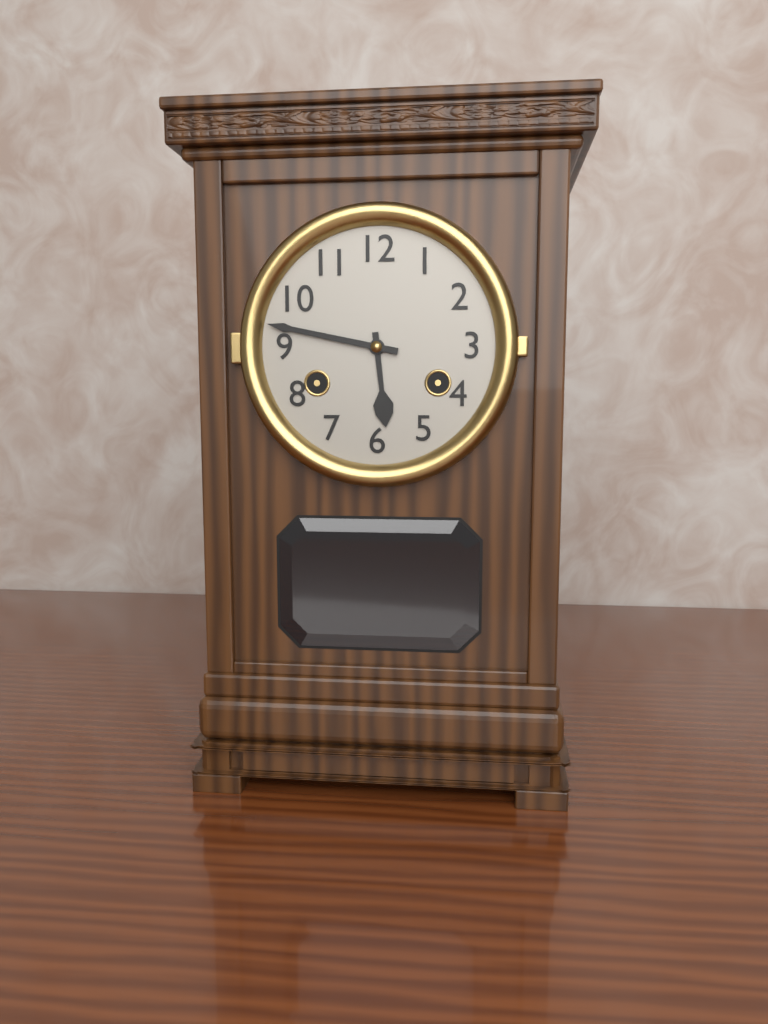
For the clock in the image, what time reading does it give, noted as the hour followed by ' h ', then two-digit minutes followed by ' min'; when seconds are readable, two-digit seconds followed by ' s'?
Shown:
5 h 47 min
